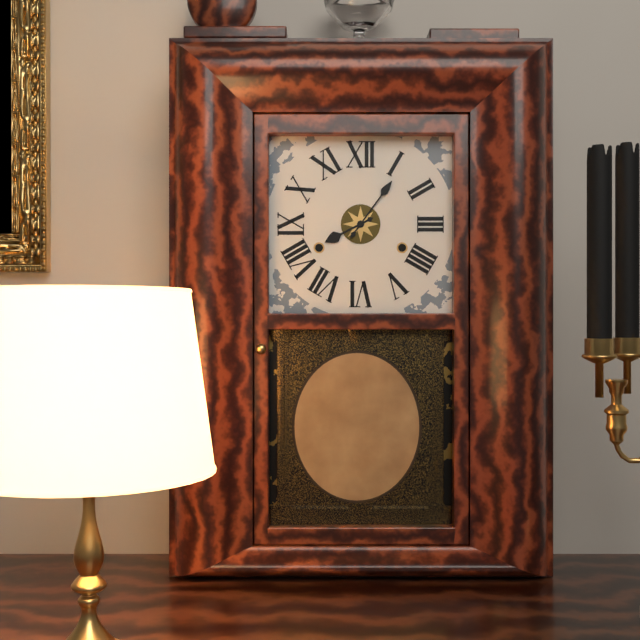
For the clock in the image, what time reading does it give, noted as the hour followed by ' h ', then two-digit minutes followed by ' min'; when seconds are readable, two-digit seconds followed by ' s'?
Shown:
8 h 06 min
